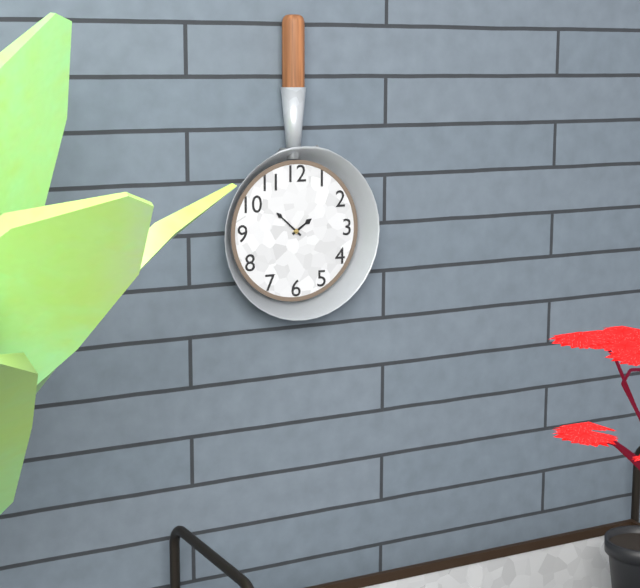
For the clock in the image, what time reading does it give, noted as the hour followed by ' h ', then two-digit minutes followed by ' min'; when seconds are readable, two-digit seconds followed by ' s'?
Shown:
1 h 52 min
